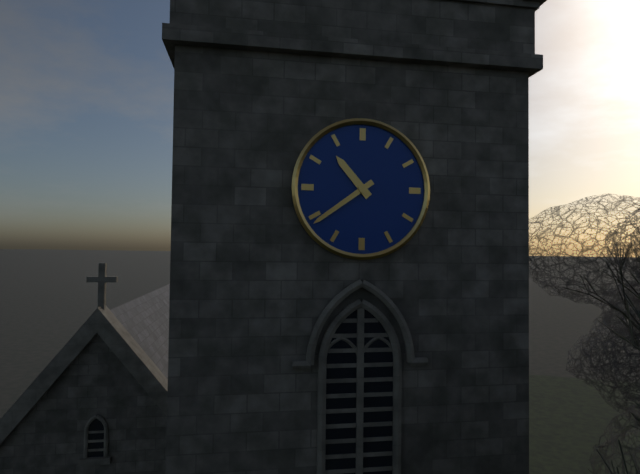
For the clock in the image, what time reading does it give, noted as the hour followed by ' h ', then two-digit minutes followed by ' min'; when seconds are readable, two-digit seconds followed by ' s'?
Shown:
10 h 39 min
